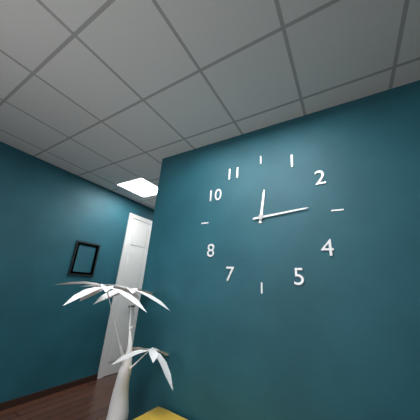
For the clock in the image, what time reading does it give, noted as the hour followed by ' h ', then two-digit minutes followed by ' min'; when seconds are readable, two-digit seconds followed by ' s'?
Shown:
12 h 14 min
